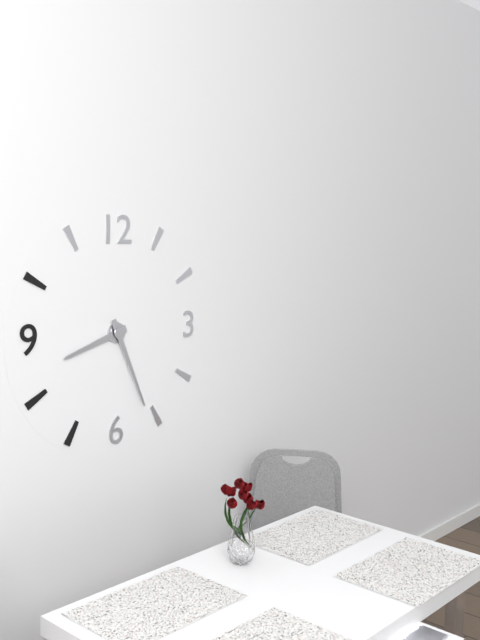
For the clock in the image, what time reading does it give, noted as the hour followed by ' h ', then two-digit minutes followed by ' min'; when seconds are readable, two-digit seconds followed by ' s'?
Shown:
8 h 26 min
